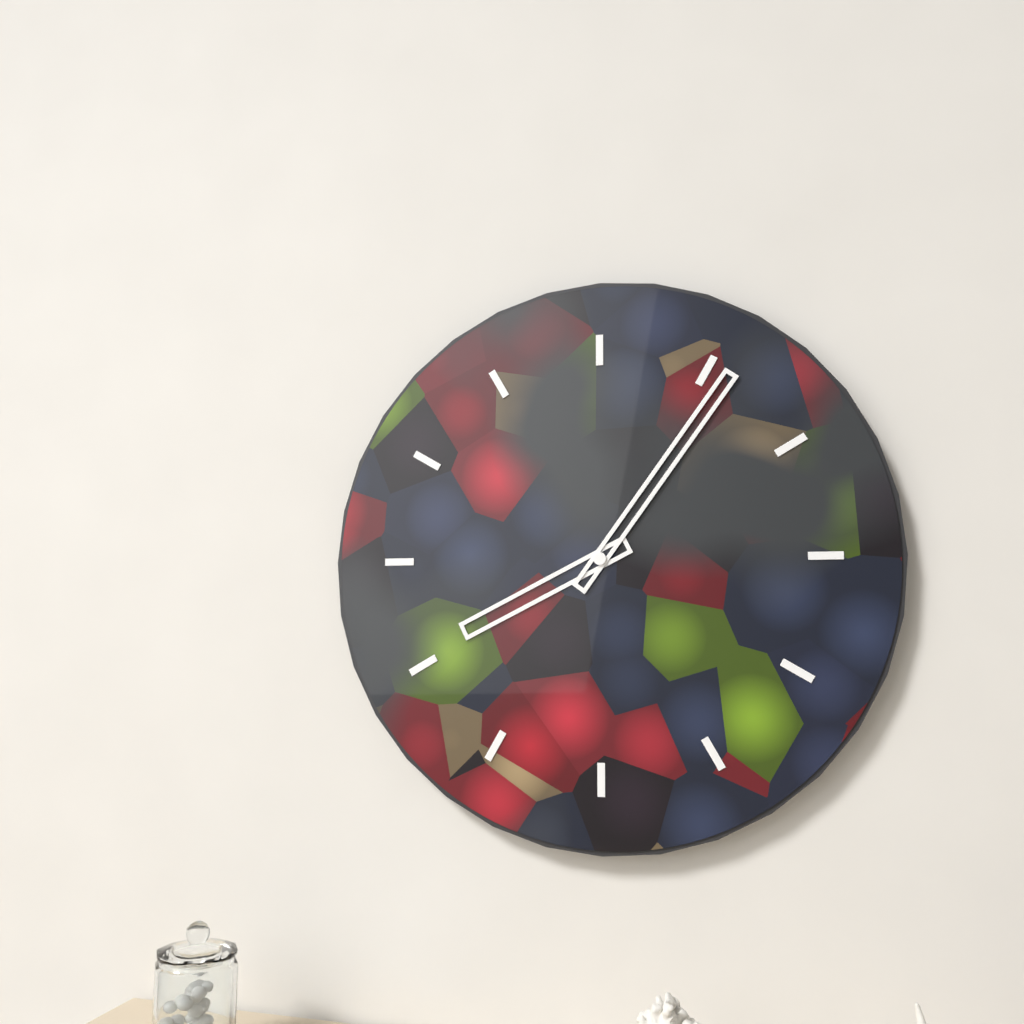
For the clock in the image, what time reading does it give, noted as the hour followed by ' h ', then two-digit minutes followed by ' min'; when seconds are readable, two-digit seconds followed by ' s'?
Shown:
8 h 06 min
